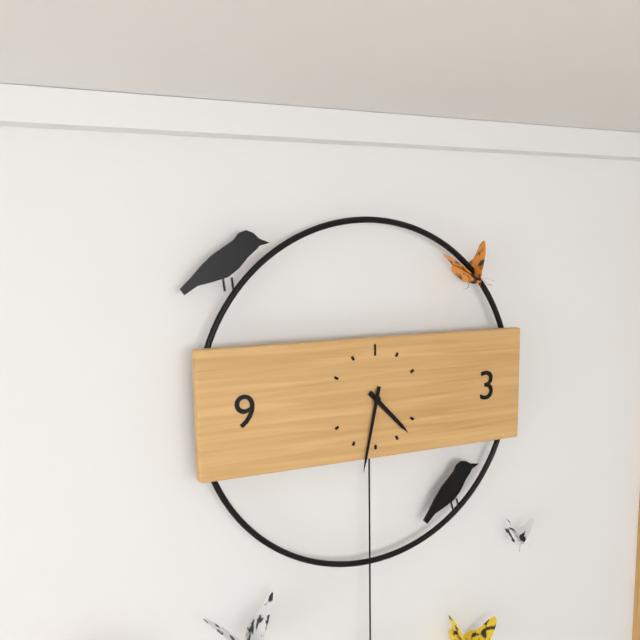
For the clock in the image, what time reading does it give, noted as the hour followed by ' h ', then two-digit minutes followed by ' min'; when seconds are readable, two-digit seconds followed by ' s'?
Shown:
4 h 32 min
